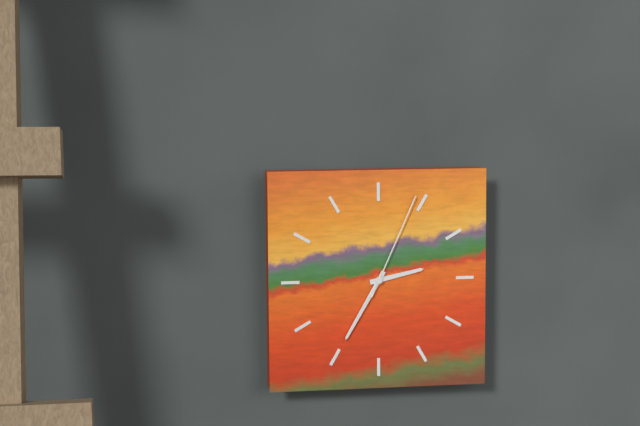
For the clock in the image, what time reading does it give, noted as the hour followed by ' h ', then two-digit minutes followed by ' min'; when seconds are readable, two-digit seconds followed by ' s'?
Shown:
2 h 35 min 04 s
